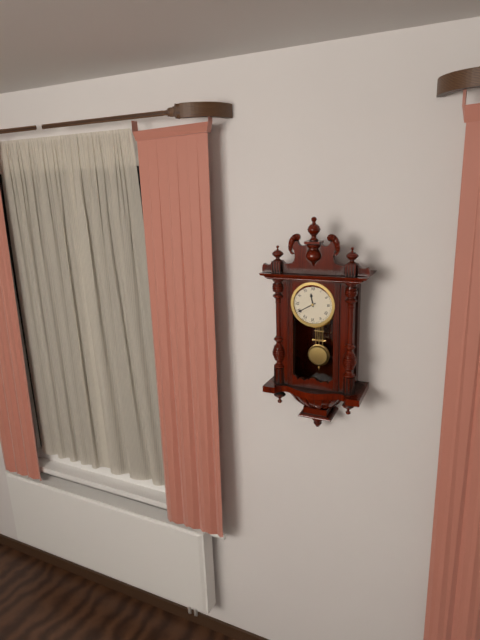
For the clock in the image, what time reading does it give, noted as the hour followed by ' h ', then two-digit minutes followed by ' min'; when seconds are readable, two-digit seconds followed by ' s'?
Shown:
11 h 40 min
